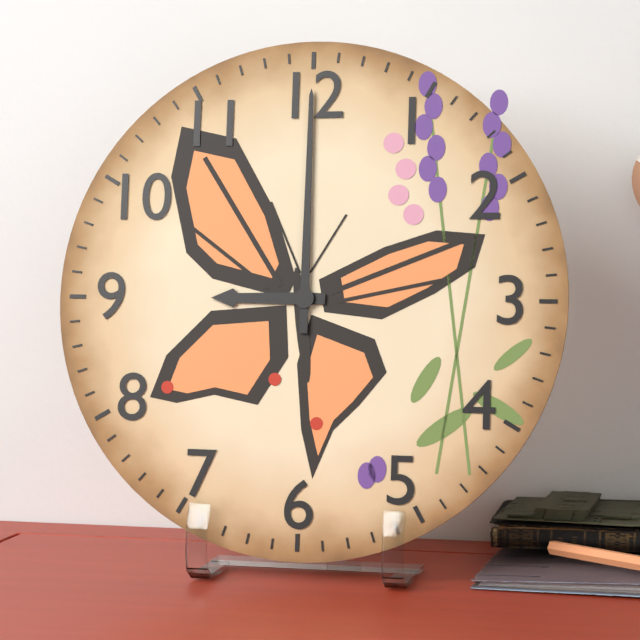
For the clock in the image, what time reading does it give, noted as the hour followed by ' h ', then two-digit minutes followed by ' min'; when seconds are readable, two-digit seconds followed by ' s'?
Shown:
9 h 00 min
